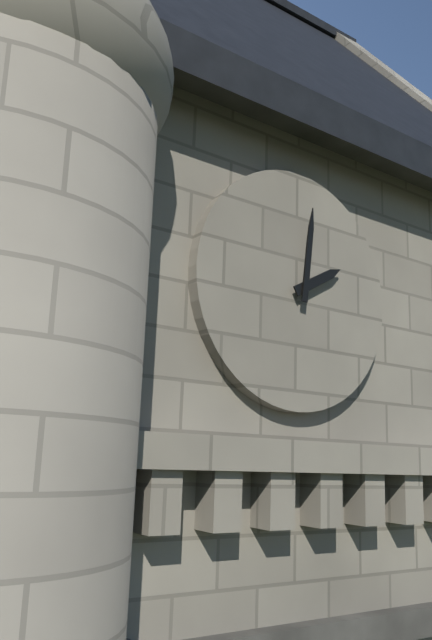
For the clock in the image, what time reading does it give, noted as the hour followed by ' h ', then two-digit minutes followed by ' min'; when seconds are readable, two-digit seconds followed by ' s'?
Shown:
2 h 01 min
